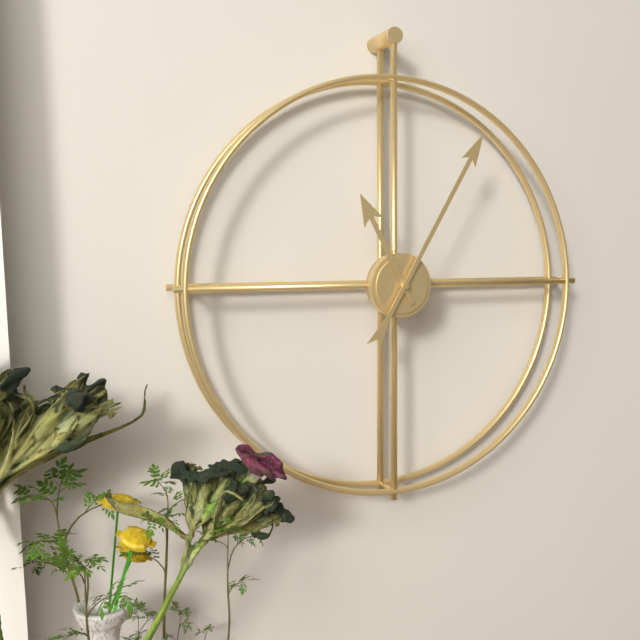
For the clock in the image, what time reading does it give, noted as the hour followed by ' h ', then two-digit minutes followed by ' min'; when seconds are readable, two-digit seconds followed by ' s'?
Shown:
11 h 05 min
